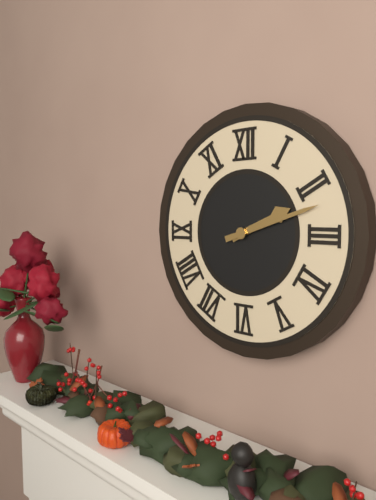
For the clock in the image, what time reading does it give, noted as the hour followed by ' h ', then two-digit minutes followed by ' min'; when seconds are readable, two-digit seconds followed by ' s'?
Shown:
2 h 12 min
